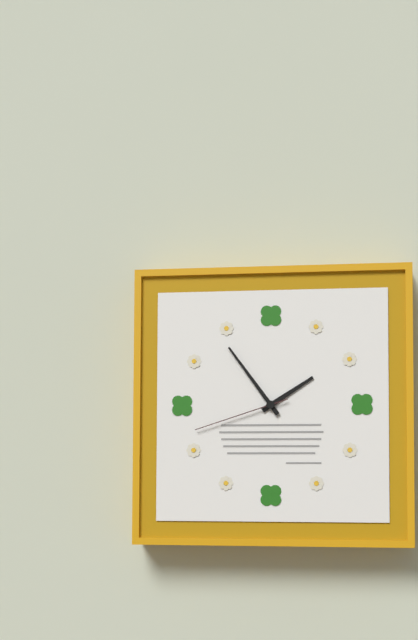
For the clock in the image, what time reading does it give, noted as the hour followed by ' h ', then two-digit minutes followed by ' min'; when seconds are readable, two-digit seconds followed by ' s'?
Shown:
1 h 54 min 42 s
